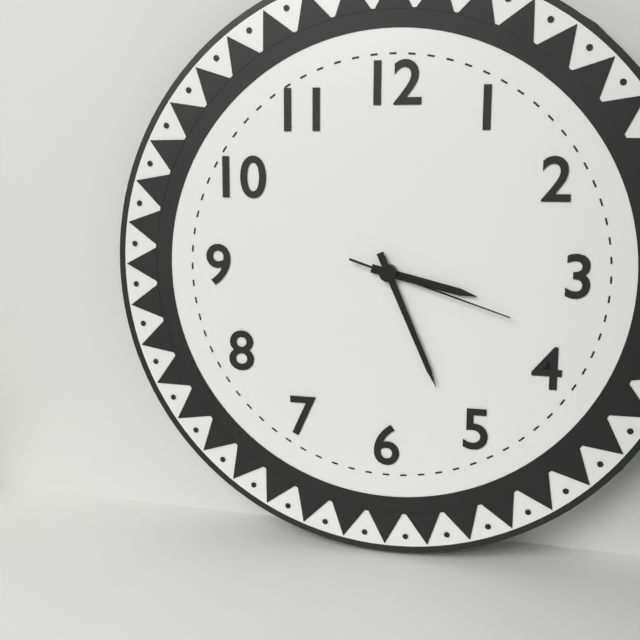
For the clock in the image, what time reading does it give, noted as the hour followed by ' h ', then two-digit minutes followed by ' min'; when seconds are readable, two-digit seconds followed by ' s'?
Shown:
3 h 26 min 18 s
